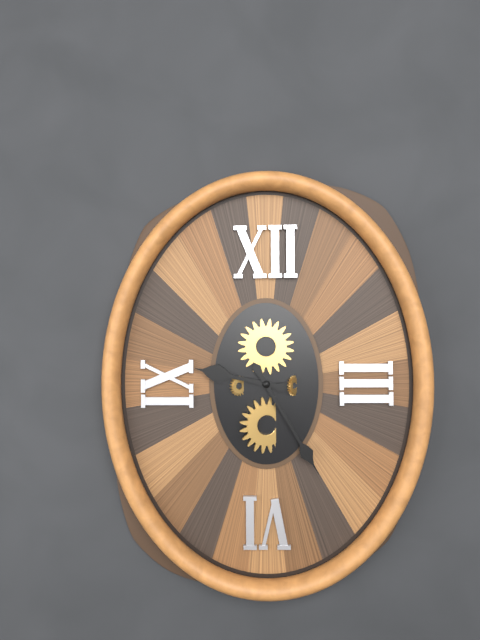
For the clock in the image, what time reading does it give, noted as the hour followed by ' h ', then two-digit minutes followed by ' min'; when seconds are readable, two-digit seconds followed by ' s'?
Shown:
9 h 25 min
